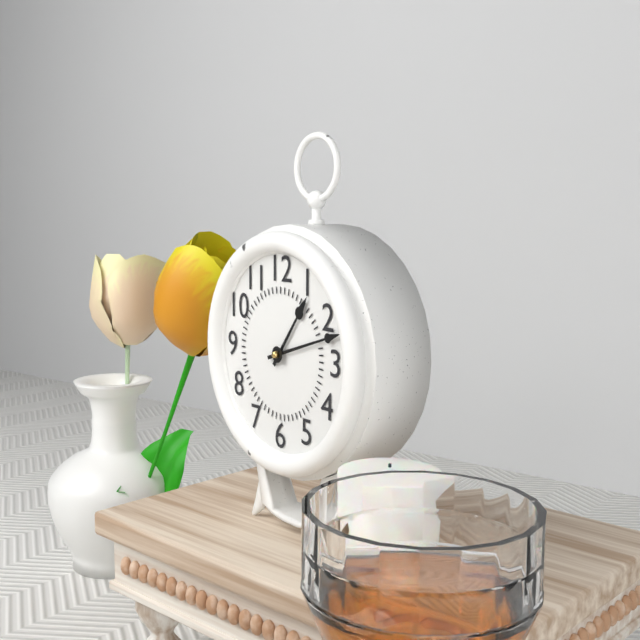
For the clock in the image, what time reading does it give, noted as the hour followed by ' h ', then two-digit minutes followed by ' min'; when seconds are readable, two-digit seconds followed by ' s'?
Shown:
1 h 12 min
